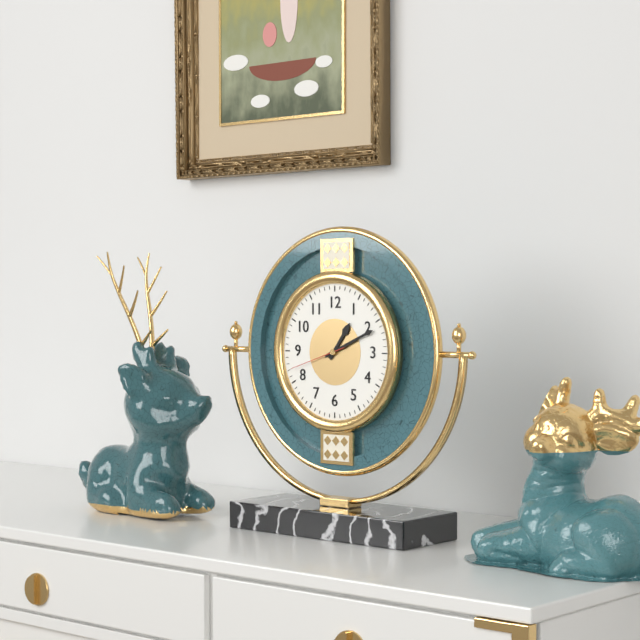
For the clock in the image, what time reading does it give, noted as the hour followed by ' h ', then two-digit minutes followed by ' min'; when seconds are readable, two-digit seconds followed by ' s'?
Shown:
1 h 11 min 42 s
